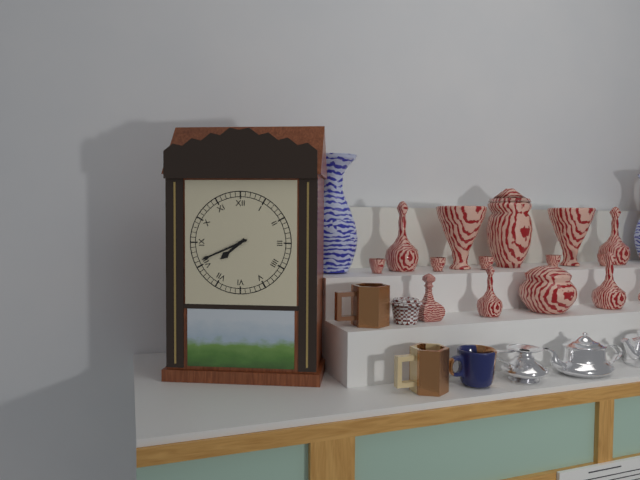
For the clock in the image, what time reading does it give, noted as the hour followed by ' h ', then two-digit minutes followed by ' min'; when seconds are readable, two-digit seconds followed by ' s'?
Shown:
7 h 41 min
